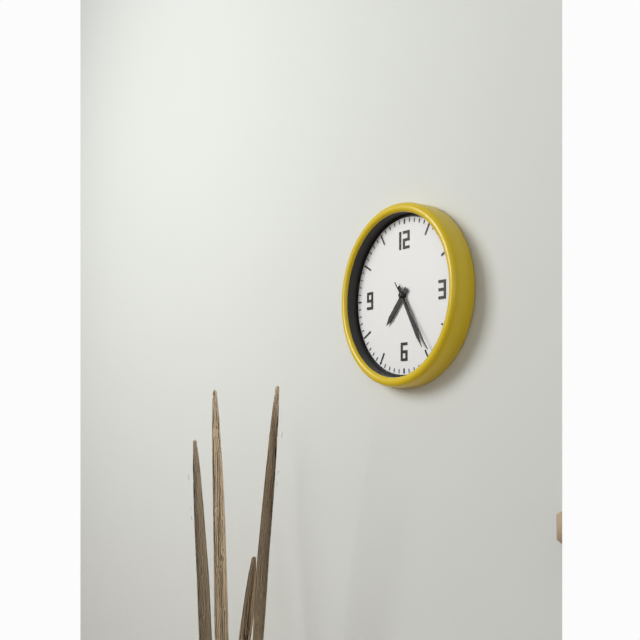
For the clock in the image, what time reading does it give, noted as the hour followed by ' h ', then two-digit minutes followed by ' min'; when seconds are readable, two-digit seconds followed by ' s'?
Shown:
7 h 25 min 24 s
